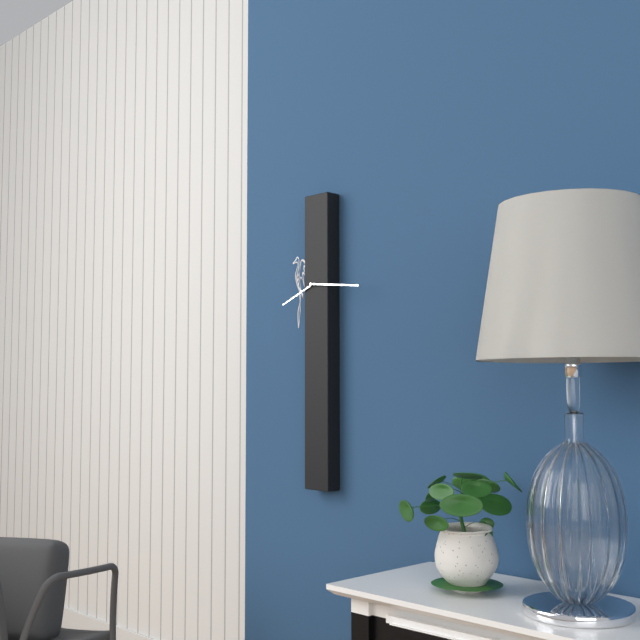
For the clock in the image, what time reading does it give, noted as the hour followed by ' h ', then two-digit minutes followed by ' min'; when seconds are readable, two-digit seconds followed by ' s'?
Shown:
8 h 16 min
